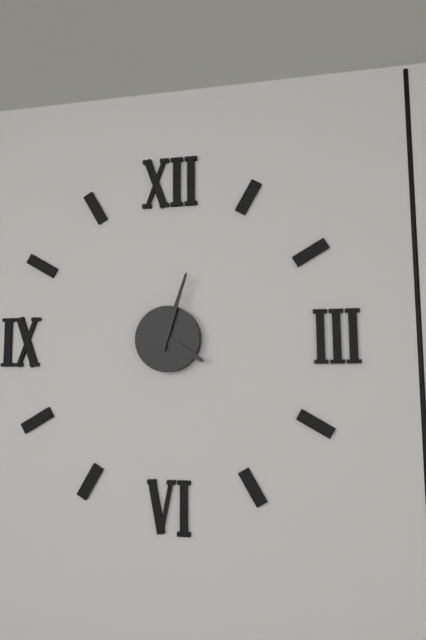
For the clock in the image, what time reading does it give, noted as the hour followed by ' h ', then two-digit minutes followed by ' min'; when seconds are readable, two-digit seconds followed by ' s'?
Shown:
4 h 03 min
